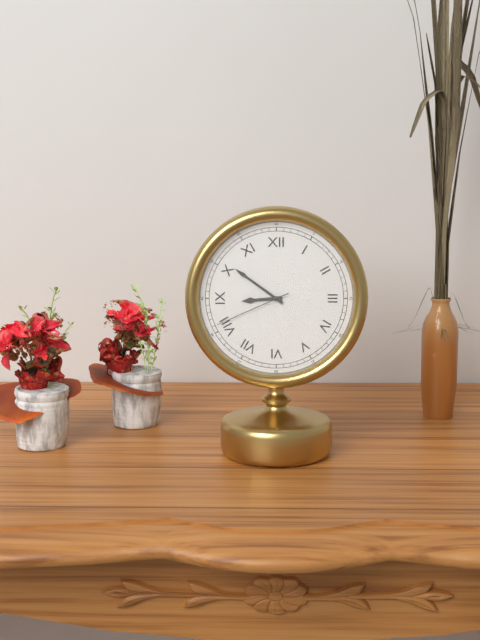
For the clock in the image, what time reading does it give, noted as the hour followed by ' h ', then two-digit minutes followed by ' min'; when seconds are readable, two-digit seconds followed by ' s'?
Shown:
8 h 51 min 41 s
